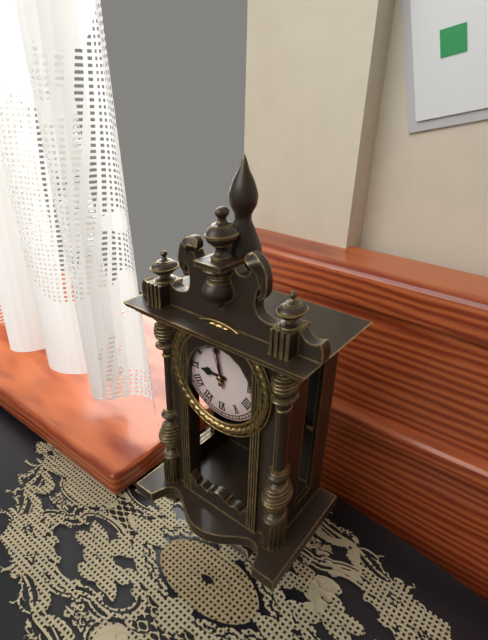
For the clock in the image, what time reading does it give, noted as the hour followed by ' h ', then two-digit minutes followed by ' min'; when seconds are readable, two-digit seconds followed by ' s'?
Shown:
8 h 58 min 57 s
